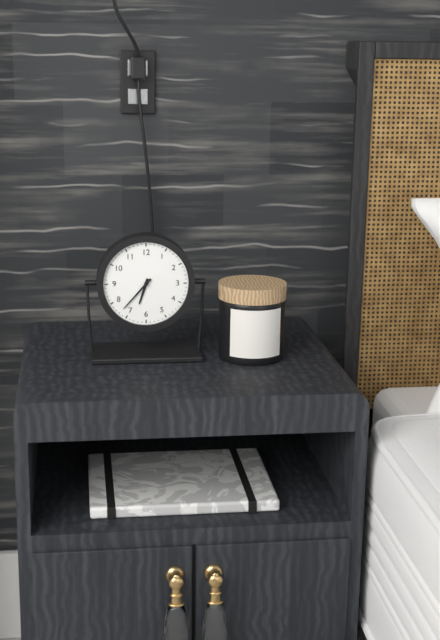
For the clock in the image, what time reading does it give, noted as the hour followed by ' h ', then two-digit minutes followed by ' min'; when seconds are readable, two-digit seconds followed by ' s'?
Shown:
6 h 37 min
